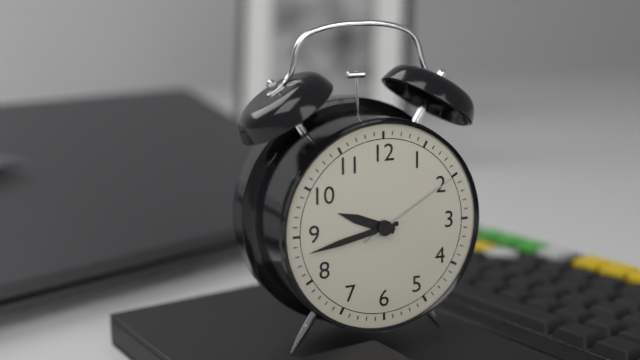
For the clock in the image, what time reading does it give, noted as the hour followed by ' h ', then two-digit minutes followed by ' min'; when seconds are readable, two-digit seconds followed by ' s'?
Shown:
9 h 43 min 10 s
